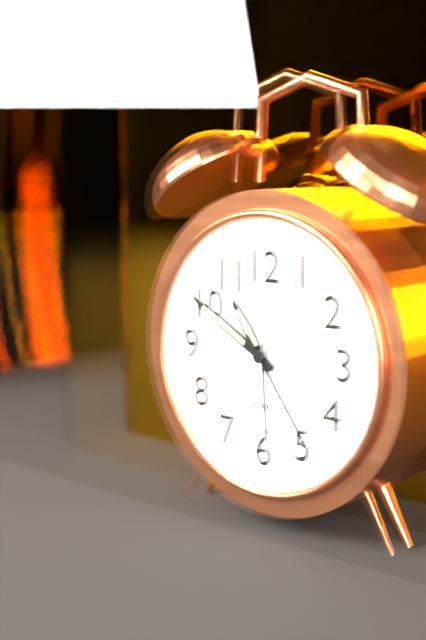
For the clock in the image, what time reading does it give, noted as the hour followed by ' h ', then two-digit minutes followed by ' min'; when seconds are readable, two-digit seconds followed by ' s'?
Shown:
10 h 50 min 24 s
